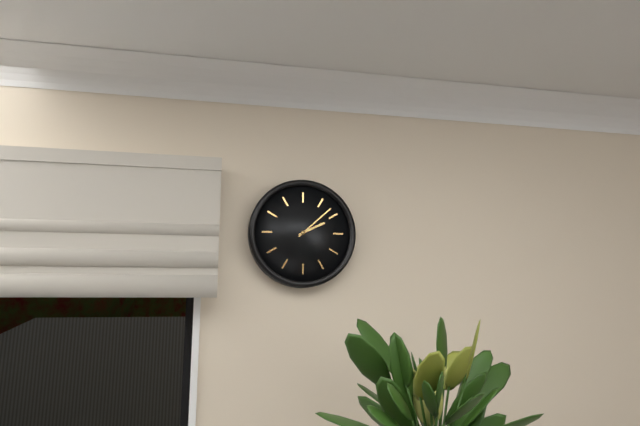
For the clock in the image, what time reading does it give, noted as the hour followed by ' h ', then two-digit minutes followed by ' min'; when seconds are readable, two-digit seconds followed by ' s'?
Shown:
2 h 08 min
